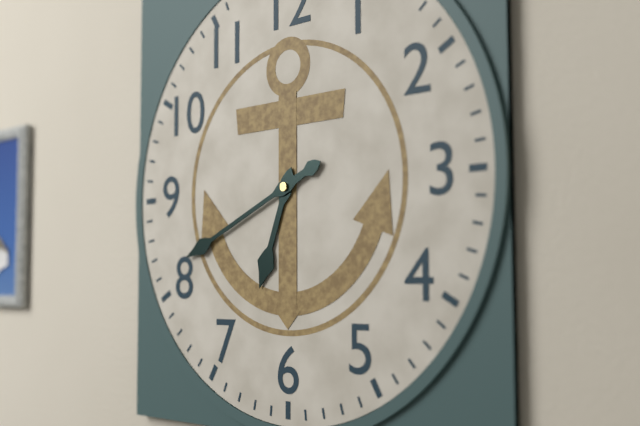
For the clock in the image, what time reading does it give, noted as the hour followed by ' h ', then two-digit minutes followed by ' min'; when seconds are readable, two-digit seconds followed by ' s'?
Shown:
6 h 41 min
